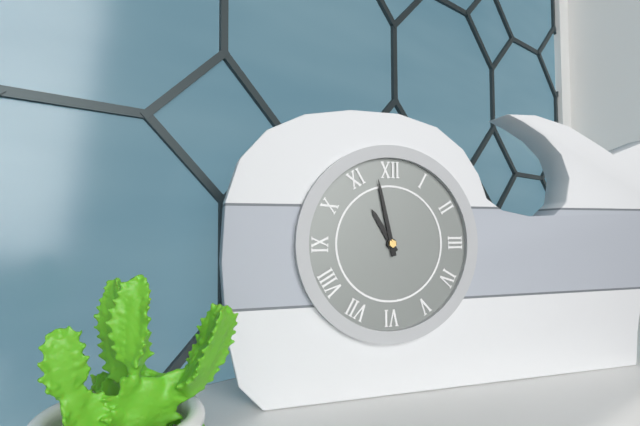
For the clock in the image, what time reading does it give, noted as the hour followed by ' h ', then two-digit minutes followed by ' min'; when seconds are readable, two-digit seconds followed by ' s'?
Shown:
10 h 58 min
